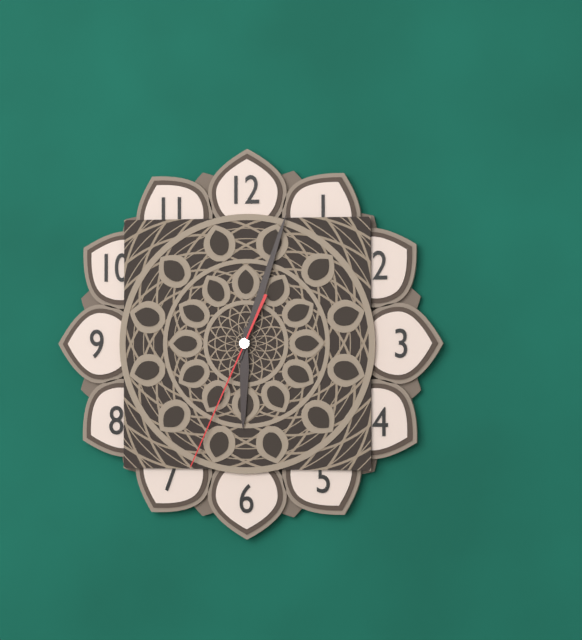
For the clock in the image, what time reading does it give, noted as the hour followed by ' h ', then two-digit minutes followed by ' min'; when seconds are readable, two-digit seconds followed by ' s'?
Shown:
6 h 03 min 34 s
